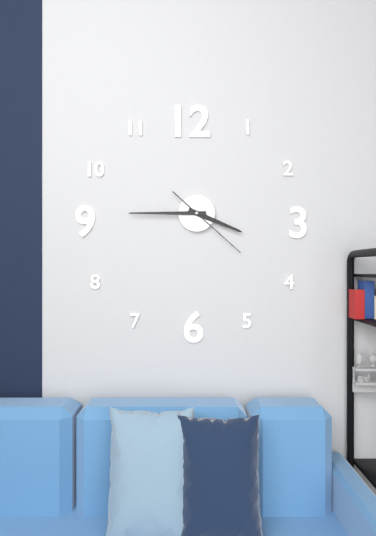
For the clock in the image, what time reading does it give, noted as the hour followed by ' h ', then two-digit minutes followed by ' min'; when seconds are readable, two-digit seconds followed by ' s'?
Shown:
3 h 45 min 22 s
